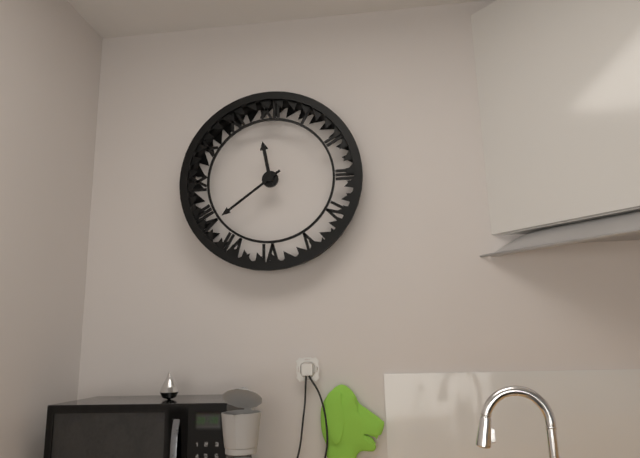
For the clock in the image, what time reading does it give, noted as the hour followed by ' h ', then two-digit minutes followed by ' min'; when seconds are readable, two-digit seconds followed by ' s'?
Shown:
11 h 39 min
